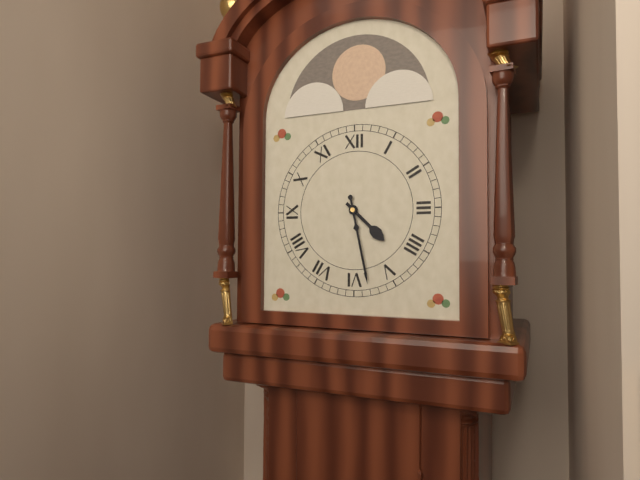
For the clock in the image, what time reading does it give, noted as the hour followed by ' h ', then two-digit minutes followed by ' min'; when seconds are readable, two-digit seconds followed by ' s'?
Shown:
4 h 28 min
